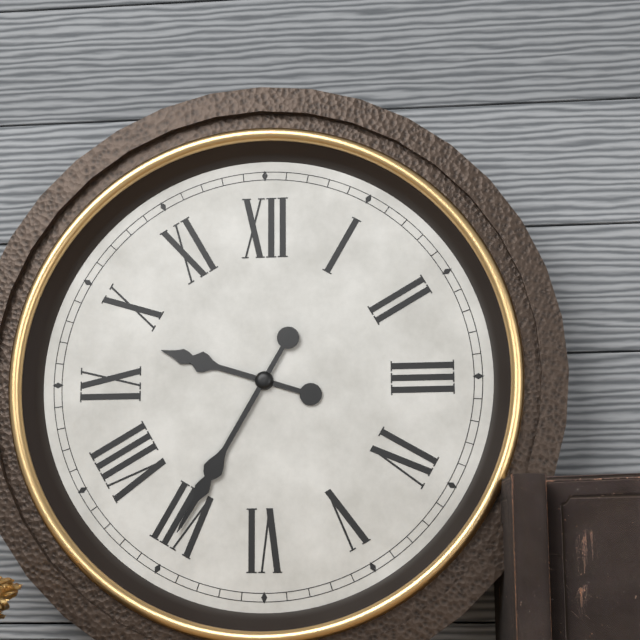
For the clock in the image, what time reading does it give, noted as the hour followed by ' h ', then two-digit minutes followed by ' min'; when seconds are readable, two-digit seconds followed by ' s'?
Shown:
9 h 35 min
